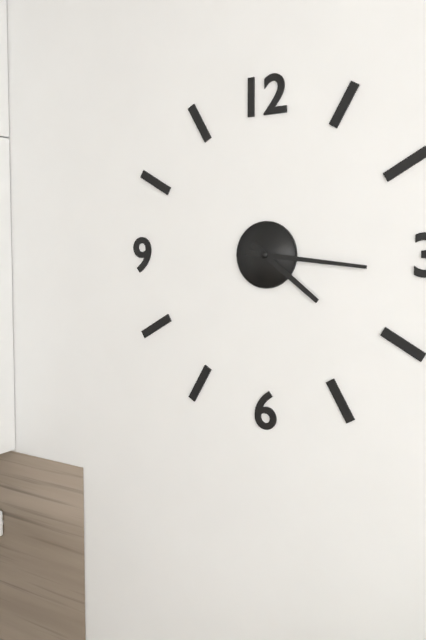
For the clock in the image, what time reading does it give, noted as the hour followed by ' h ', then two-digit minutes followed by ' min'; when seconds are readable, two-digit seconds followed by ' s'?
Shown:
4 h 16 min
